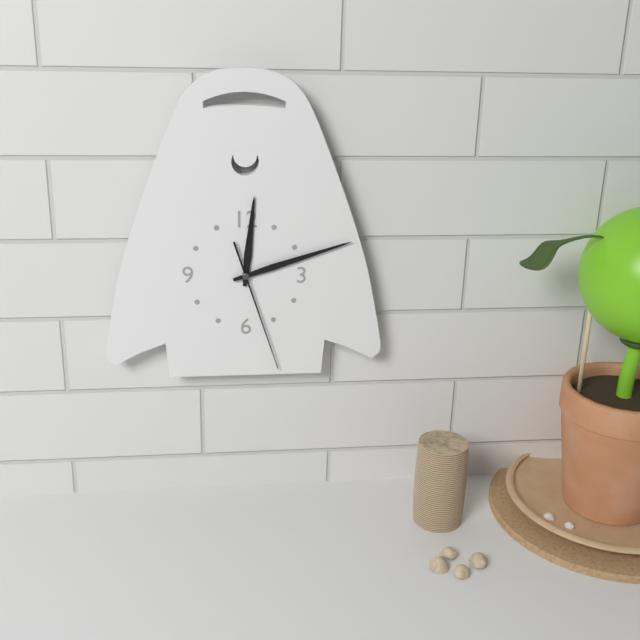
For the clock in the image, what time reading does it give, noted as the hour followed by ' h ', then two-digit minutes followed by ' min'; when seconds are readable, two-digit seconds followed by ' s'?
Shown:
12 h 12 min 27 s
